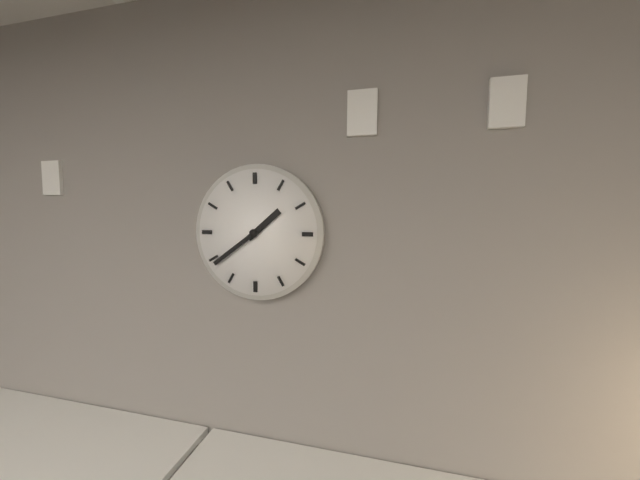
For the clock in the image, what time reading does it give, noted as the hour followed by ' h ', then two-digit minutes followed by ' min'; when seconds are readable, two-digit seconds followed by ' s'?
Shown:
1 h 39 min
